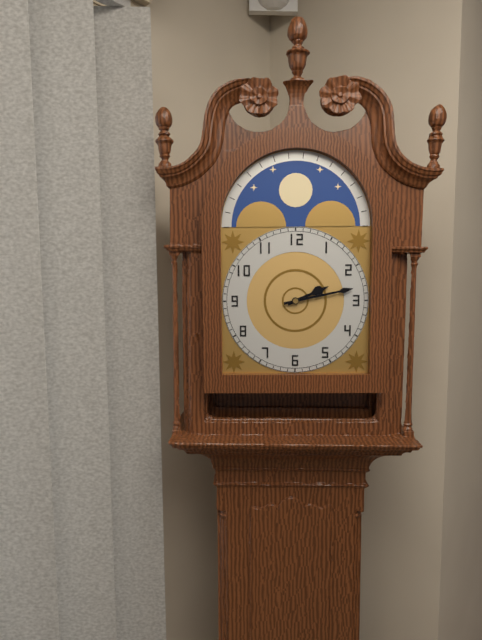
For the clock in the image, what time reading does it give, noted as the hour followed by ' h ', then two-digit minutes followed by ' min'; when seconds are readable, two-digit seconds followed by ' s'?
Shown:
2 h 13 min
